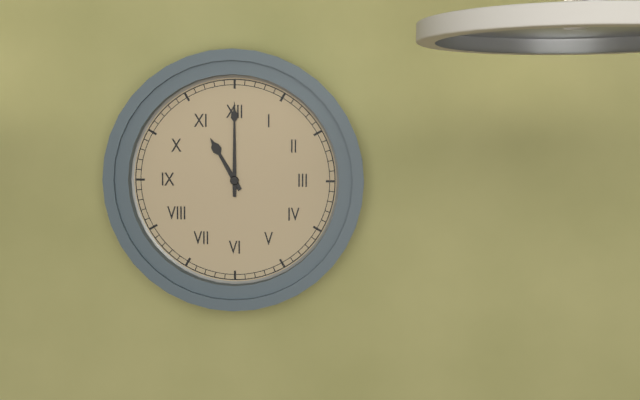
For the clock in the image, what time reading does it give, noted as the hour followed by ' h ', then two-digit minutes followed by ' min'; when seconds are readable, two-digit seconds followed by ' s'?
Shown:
11 h 00 min
